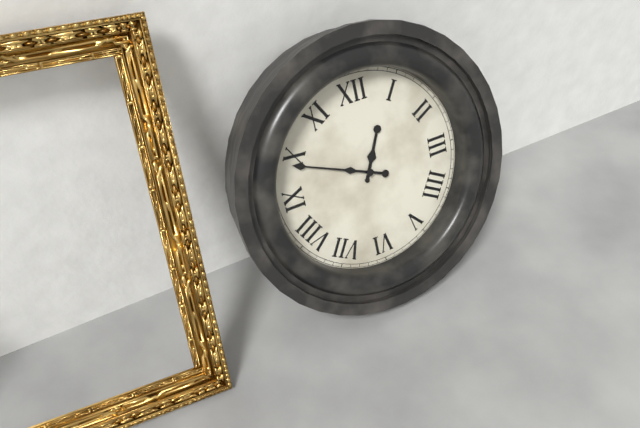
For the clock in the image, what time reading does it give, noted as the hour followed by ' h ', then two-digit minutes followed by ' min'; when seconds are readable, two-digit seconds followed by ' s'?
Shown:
12 h 49 min
